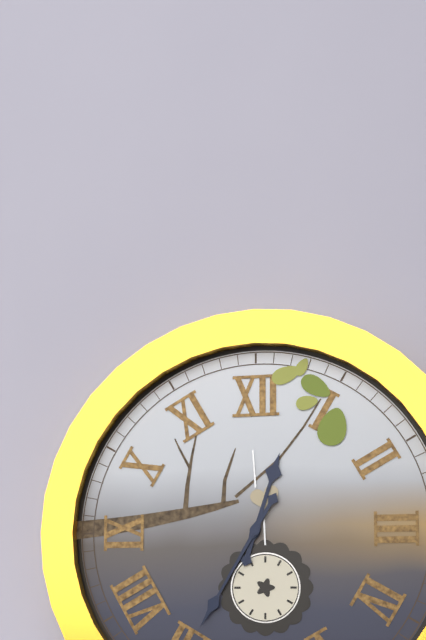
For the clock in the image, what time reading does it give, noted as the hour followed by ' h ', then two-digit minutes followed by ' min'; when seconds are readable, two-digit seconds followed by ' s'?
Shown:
12 h 35 min
